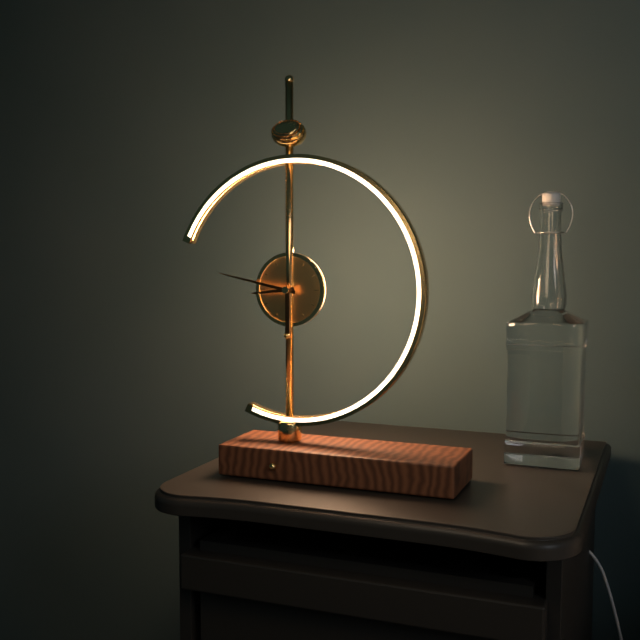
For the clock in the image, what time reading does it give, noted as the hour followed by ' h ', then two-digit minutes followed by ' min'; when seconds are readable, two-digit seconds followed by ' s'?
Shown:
8 h 47 min
